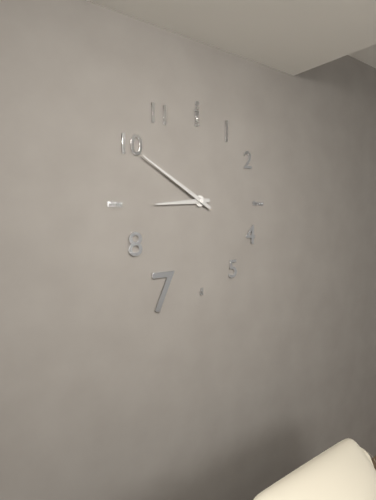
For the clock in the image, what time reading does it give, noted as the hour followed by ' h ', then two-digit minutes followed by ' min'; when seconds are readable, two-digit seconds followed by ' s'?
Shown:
8 h 50 min
